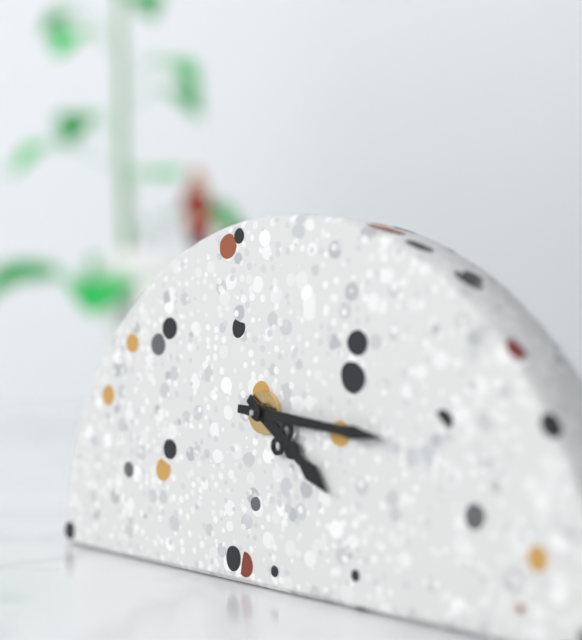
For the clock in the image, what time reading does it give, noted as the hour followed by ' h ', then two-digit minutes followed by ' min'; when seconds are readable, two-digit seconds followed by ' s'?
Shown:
4 h 16 min
